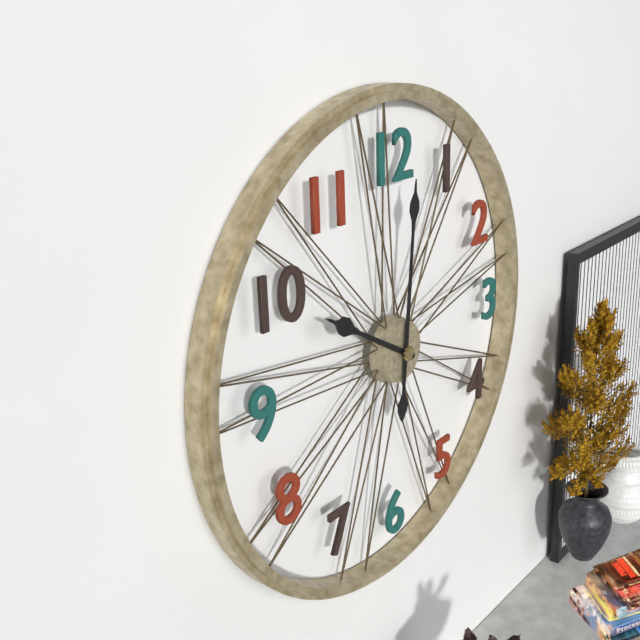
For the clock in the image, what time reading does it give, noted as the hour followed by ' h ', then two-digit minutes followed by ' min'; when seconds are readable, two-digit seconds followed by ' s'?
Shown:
10 h 01 min
